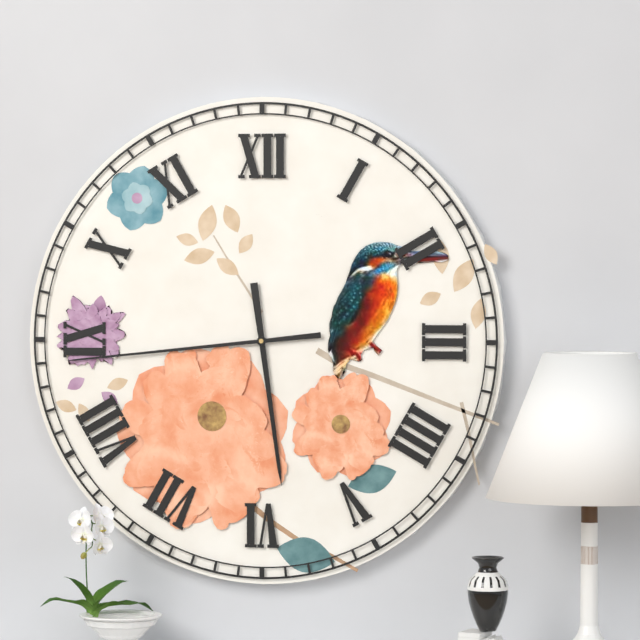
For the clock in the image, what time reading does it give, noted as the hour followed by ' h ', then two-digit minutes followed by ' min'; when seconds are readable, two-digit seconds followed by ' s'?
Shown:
5 h 44 min
